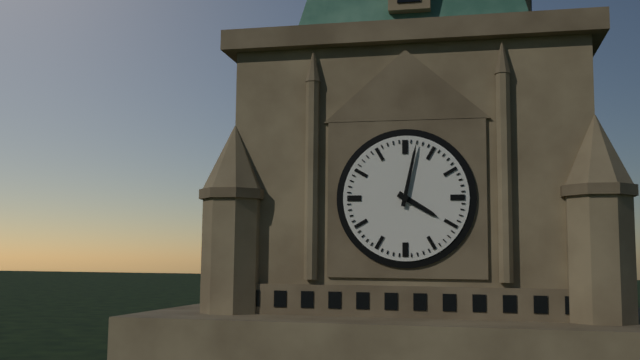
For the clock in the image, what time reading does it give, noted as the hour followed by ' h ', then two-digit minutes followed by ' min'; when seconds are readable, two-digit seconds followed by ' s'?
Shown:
4 h 02 min
